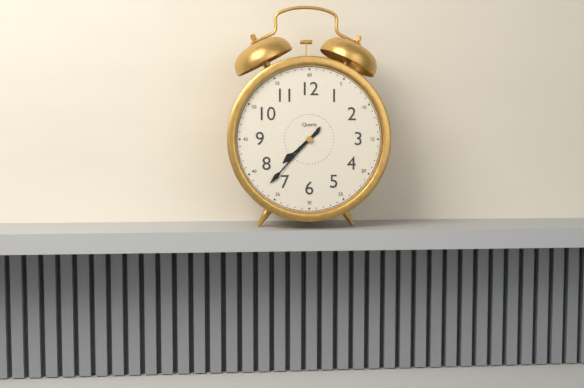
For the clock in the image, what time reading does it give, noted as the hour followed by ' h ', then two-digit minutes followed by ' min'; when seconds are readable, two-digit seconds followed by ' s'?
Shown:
7 h 37 min
